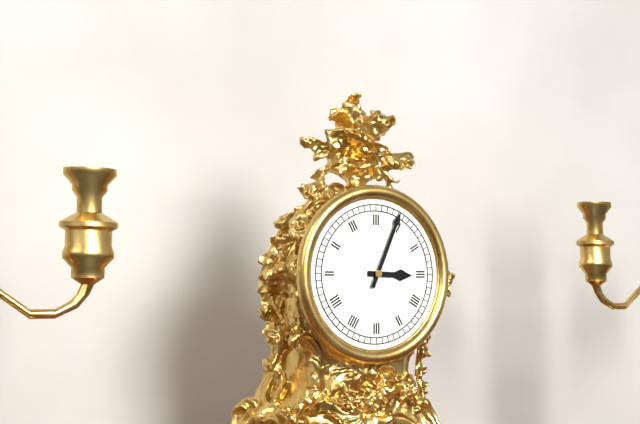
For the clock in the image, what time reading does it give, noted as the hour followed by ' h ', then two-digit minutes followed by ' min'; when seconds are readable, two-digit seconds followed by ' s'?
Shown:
3 h 04 min
